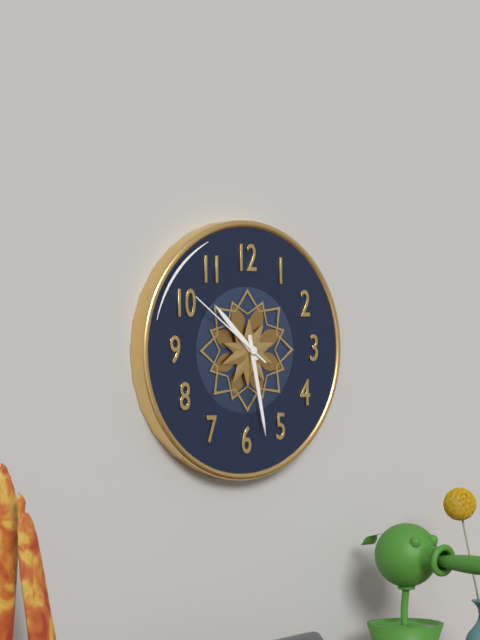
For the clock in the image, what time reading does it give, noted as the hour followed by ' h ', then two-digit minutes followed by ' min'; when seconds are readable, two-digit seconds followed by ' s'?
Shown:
10 h 28 min 51 s
